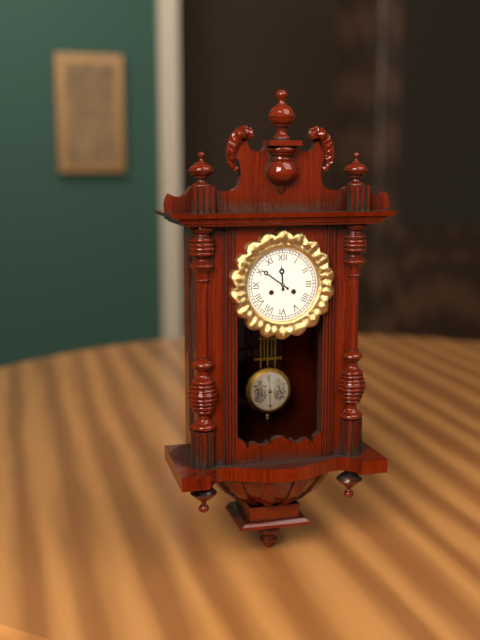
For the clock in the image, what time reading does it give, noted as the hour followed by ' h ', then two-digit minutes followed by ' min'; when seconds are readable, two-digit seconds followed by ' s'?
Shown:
11 h 51 min
